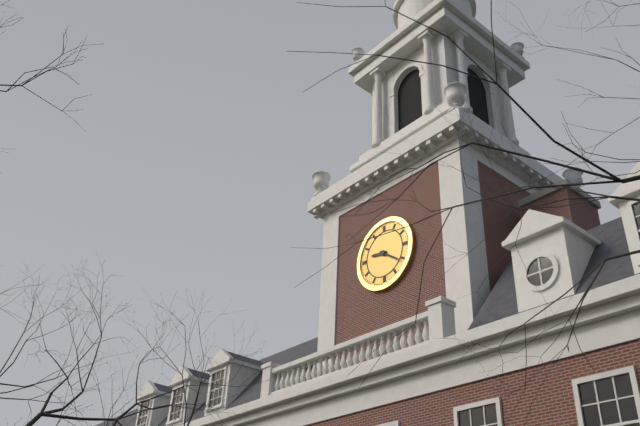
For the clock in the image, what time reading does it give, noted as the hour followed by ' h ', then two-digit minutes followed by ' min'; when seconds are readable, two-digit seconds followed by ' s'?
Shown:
9 h 21 min
